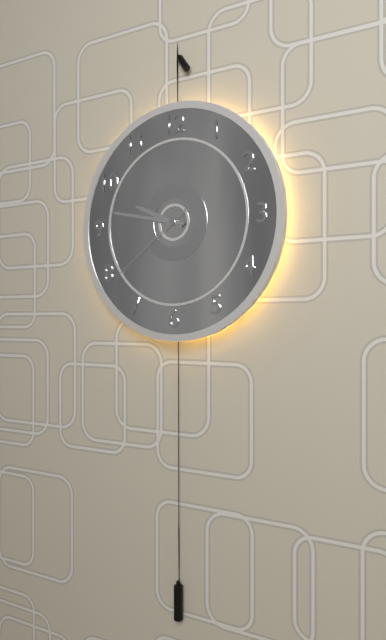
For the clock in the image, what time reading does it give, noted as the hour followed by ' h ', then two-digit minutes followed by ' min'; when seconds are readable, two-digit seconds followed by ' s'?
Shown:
9 h 47 min 39 s
